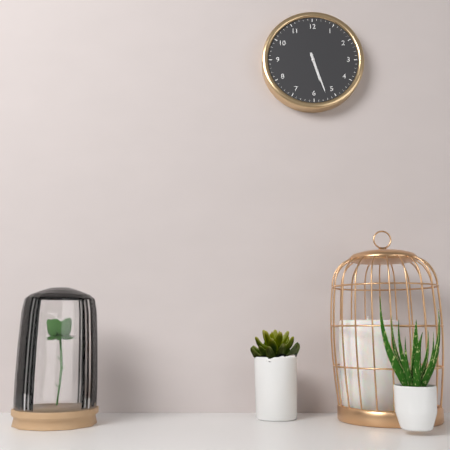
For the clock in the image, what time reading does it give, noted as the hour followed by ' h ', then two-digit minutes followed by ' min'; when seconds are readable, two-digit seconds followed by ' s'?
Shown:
5 h 27 min
